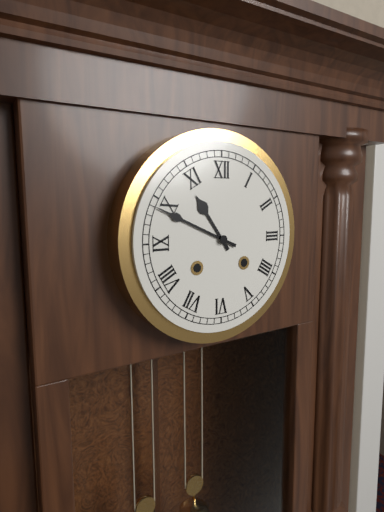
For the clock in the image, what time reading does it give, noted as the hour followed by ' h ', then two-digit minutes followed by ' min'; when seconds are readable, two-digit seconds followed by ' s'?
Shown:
10 h 49 min
